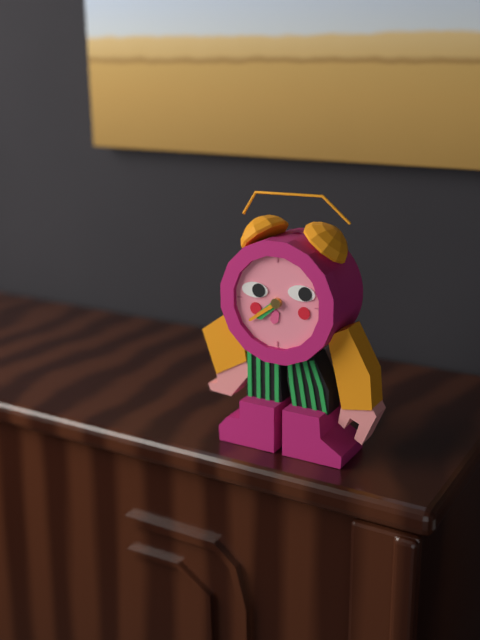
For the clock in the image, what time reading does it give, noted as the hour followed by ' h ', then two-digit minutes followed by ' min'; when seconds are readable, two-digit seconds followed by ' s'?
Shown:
7 h 39 min
